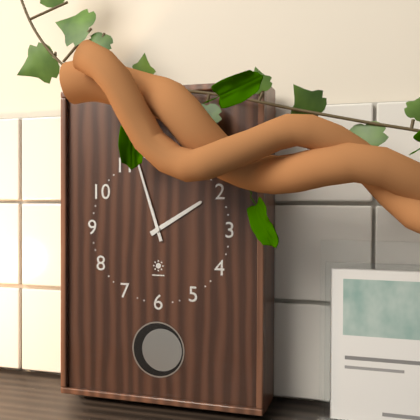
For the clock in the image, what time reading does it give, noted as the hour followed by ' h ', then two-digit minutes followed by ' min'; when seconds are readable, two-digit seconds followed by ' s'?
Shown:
1 h 57 min
